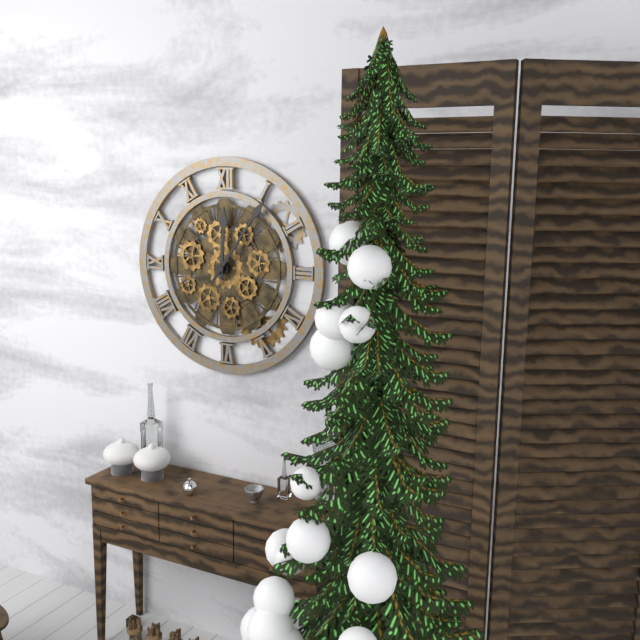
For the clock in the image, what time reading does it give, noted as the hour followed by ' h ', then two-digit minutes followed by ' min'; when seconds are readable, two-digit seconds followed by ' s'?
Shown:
12 h 06 min
